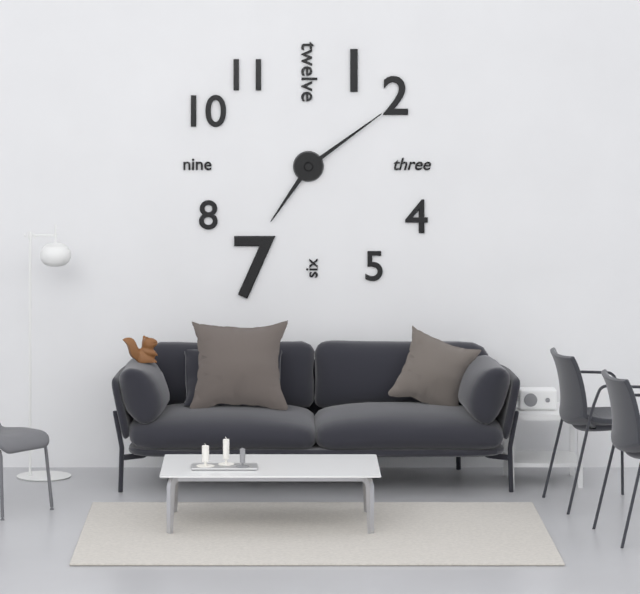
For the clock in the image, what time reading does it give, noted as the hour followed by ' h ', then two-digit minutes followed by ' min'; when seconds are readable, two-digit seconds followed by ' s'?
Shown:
7 h 09 min
